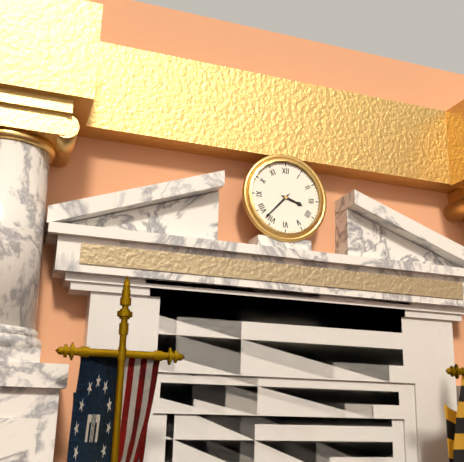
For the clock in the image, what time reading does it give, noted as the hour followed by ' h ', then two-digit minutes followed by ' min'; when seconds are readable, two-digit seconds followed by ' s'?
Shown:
3 h 37 min
